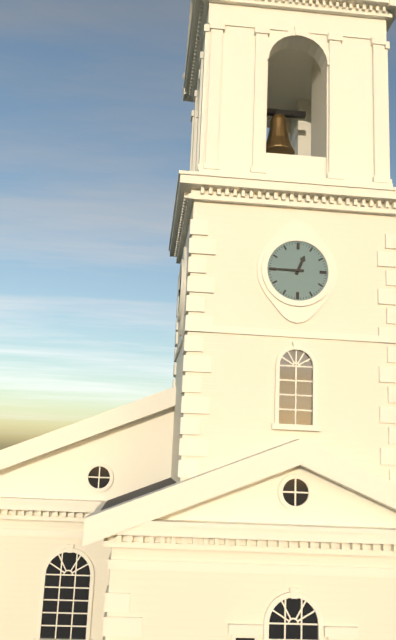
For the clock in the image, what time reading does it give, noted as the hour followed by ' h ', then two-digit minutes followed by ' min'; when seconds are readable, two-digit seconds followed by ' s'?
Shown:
12 h 45 min
